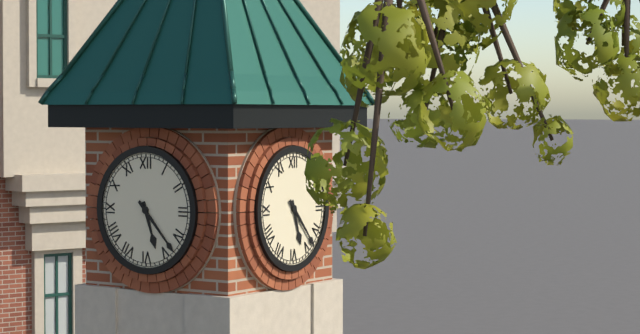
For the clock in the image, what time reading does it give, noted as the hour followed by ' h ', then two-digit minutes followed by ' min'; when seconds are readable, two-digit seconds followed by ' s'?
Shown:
5 h 23 min
